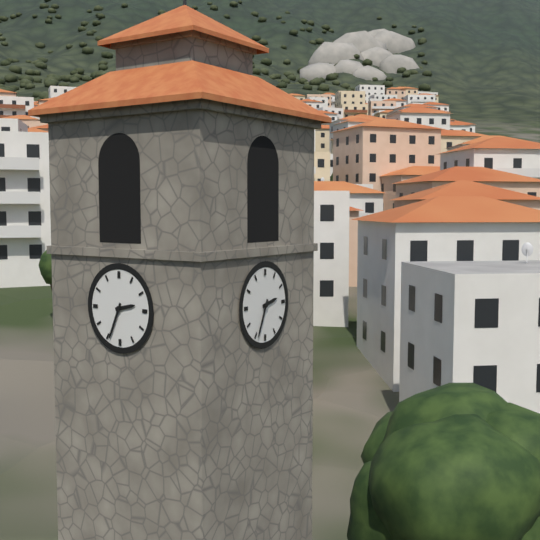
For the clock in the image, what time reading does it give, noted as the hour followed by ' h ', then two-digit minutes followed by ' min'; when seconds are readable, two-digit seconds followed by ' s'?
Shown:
2 h 34 min
